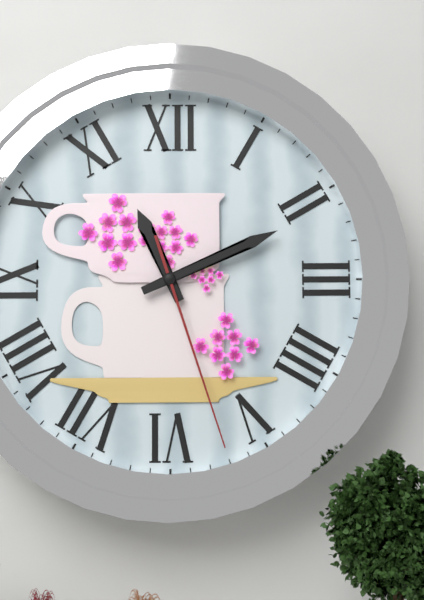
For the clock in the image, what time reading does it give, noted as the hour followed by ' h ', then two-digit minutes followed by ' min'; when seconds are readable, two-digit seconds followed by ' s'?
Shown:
11 h 11 min 27 s
